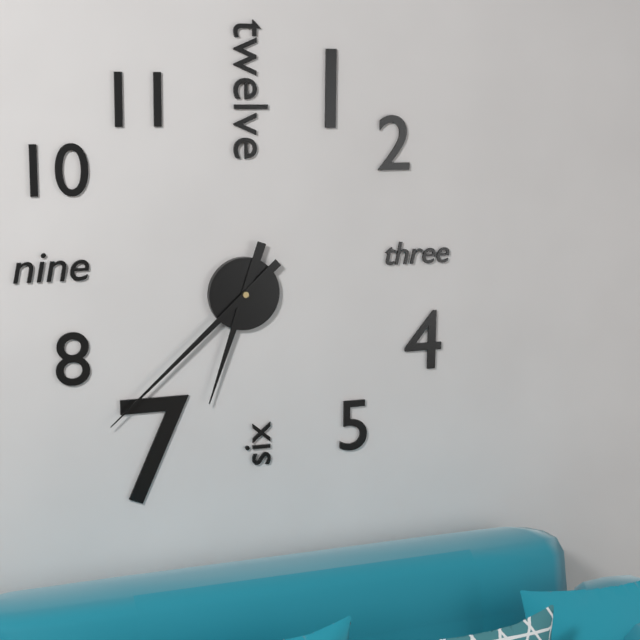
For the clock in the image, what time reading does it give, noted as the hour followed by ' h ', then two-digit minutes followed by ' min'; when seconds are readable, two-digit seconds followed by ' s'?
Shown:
6 h 38 min
